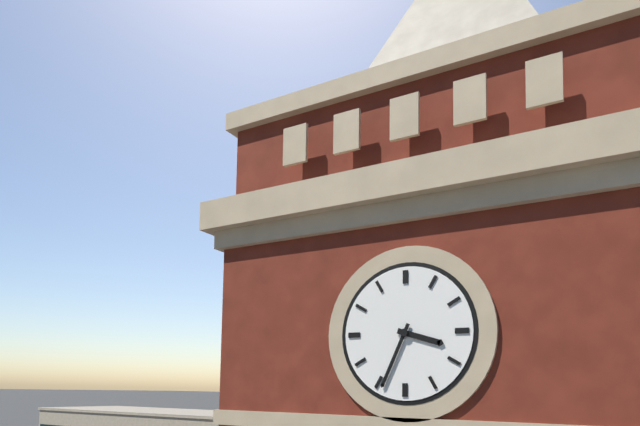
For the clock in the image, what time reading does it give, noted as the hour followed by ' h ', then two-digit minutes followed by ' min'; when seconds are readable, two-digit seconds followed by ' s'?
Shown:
3 h 34 min
